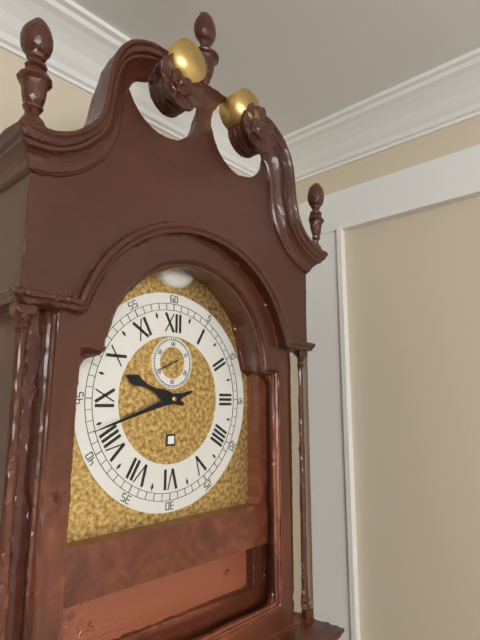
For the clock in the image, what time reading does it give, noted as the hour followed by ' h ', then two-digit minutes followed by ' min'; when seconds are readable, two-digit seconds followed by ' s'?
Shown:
9 h 42 min
